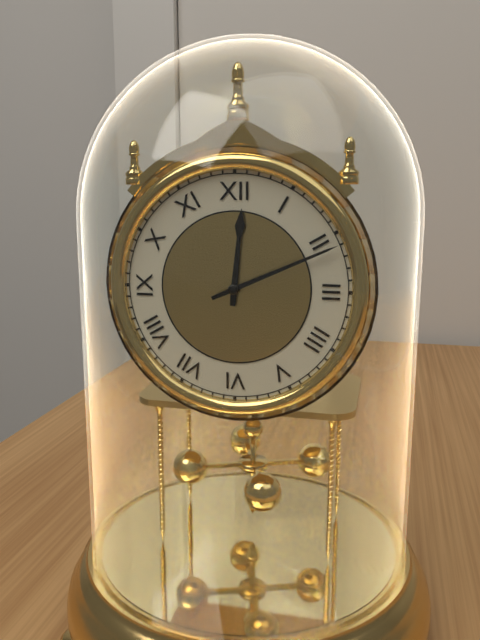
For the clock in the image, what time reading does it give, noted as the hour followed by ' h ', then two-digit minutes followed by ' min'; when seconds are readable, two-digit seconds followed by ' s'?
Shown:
12 h 11 min
